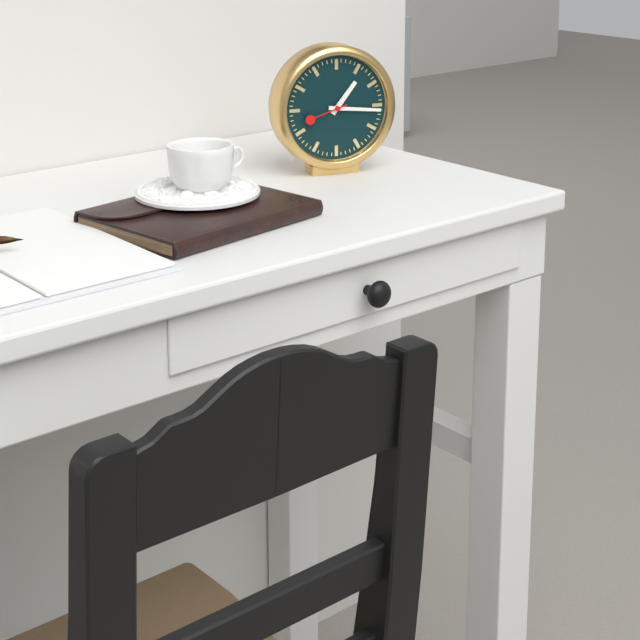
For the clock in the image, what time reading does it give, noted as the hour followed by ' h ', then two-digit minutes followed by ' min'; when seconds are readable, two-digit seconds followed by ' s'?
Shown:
1 h 16 min
